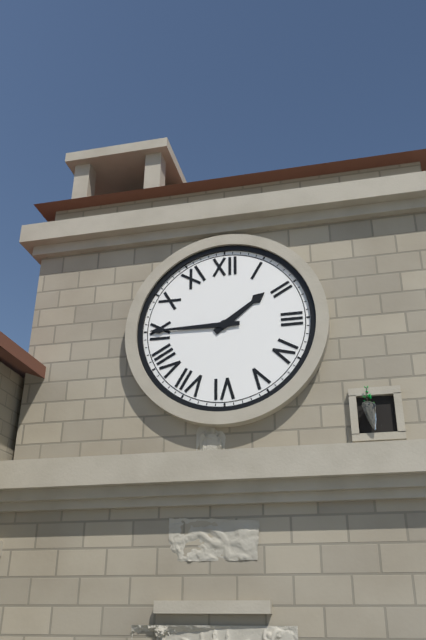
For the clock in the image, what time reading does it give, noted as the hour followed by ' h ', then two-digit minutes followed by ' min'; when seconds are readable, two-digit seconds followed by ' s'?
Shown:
1 h 45 min
